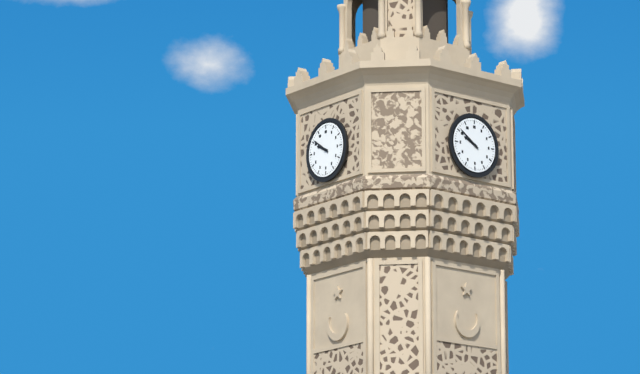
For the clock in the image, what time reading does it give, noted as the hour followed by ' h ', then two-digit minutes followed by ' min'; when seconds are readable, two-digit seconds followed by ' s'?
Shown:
9 h 51 min
